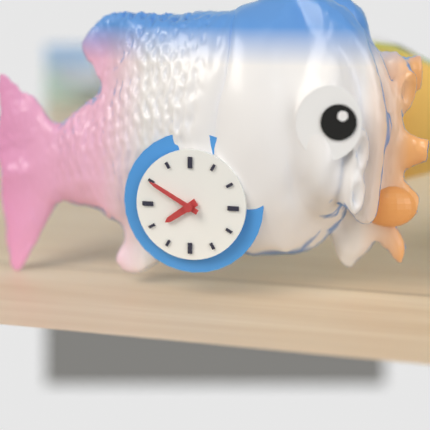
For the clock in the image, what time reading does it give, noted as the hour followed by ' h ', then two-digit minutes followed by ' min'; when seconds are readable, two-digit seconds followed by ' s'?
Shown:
7 h 50 min
